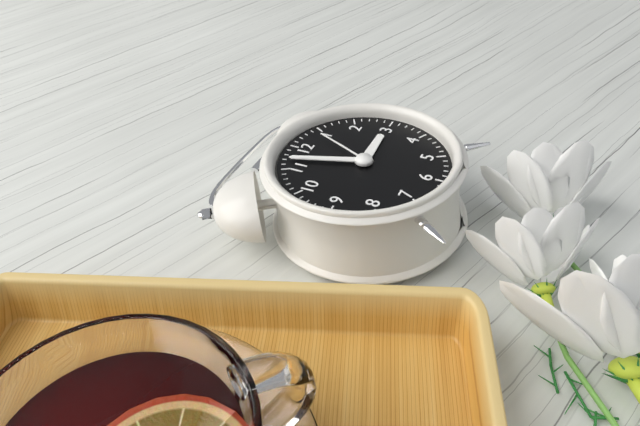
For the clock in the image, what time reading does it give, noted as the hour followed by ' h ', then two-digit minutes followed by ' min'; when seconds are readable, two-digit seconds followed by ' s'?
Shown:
2 h 57 min 04 s
